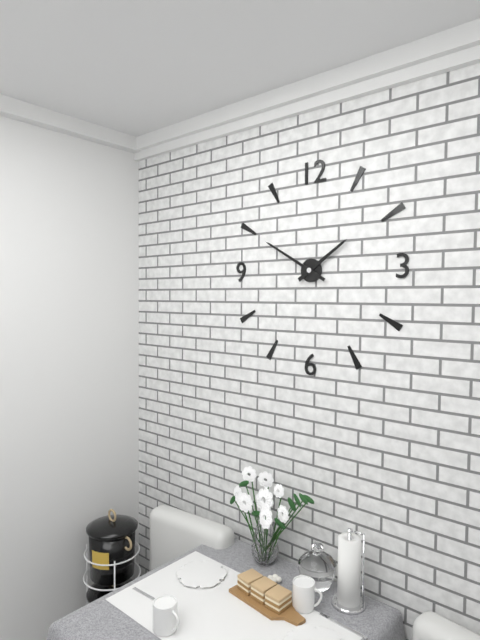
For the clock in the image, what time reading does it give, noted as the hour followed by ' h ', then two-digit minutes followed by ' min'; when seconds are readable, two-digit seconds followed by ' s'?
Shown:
1 h 50 min
